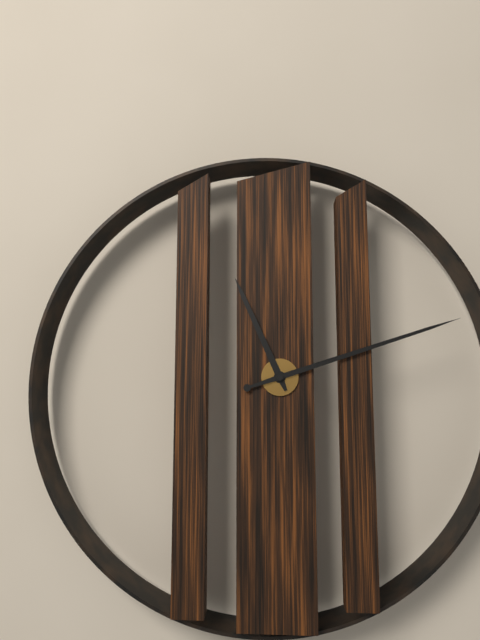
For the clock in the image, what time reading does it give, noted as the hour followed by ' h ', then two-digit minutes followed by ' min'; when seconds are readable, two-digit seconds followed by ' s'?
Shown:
11 h 12 min
